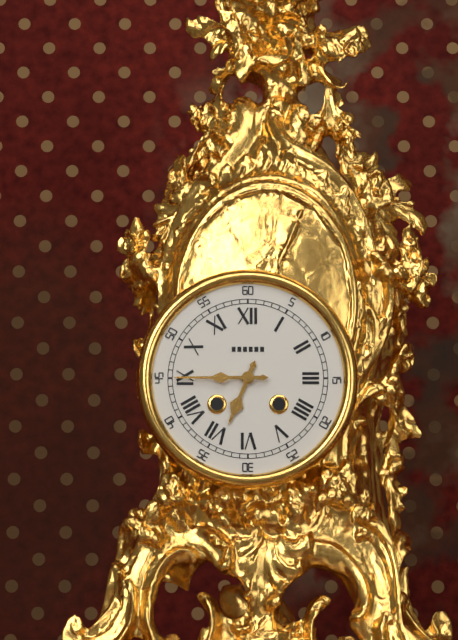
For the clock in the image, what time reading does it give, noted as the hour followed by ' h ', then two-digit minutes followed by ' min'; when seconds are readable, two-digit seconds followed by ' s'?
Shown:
6 h 45 min
